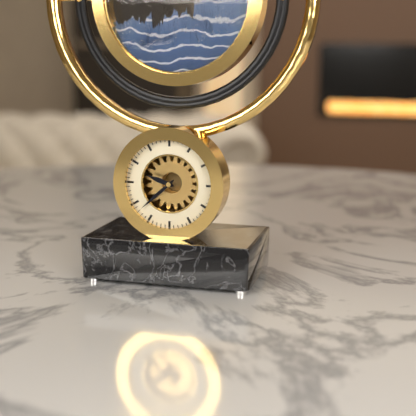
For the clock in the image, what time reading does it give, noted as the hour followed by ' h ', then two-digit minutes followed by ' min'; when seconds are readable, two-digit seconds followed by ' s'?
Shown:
9 h 38 min
